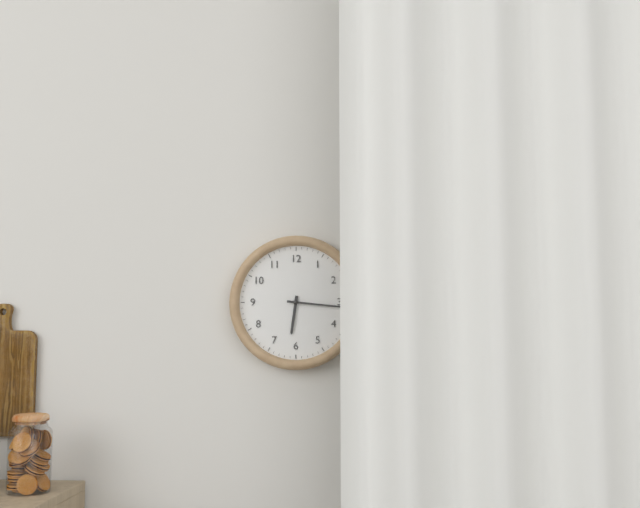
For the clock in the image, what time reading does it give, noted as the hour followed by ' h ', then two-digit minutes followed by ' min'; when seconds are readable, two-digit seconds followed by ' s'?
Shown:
6 h 16 min
